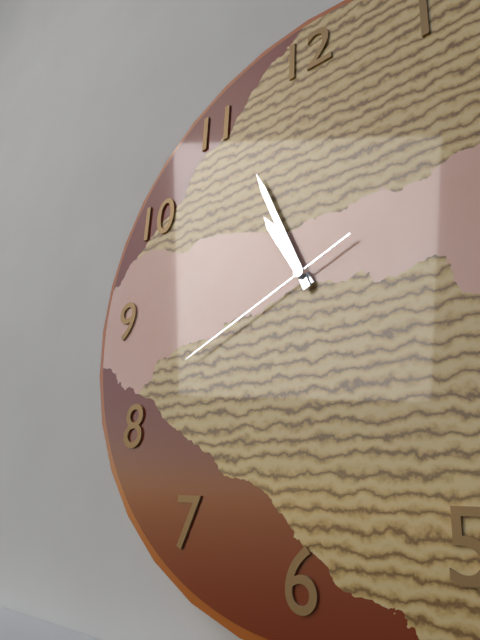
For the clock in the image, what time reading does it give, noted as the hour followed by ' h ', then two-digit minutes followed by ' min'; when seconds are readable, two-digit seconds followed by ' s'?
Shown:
10 h 56 min 41 s
